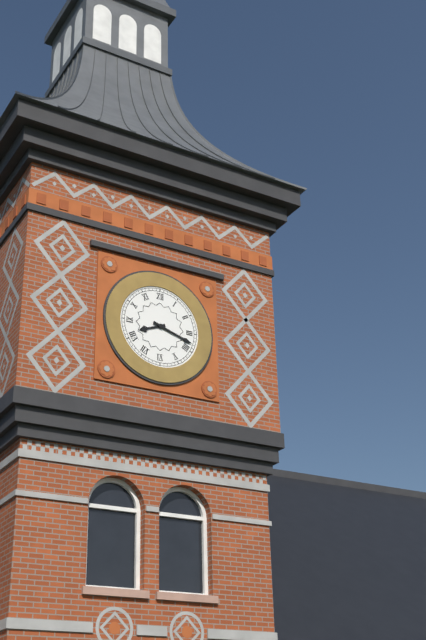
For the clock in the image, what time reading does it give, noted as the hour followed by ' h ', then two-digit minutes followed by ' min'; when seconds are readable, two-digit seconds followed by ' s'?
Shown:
8 h 18 min
